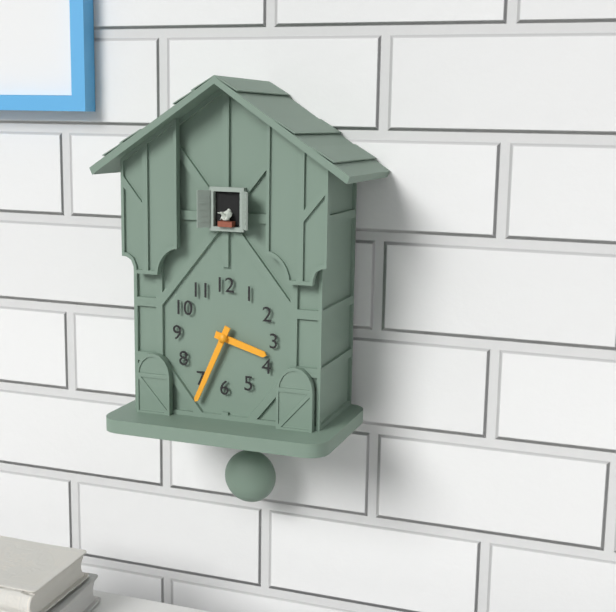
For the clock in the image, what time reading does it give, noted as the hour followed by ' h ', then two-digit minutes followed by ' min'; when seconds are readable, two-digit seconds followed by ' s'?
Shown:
3 h 34 min
